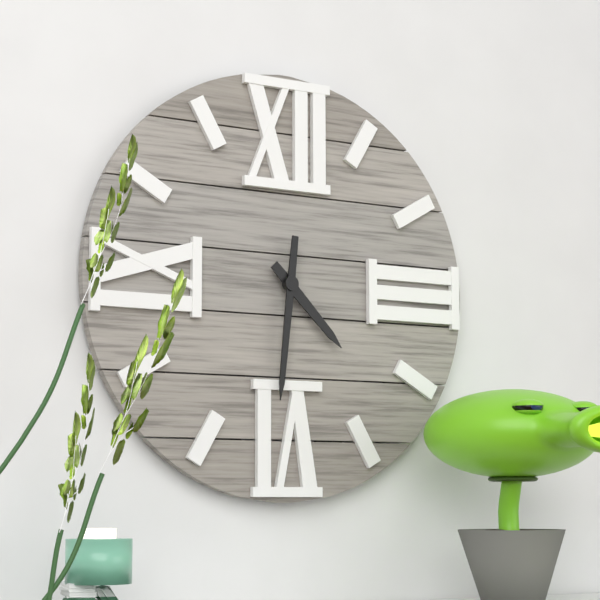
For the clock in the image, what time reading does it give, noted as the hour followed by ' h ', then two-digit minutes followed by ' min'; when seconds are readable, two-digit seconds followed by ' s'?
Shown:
4 h 31 min
